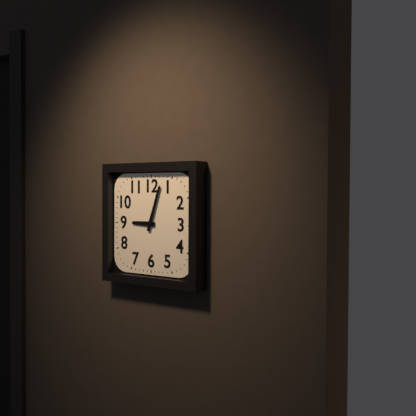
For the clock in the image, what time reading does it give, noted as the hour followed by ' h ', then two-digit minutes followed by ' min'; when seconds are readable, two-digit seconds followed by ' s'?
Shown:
9 h 03 min
